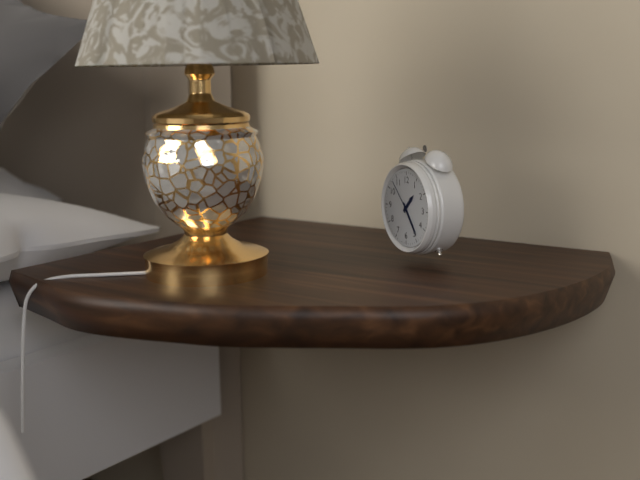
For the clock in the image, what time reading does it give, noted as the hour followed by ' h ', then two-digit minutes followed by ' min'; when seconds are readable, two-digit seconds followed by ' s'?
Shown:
1 h 24 min
